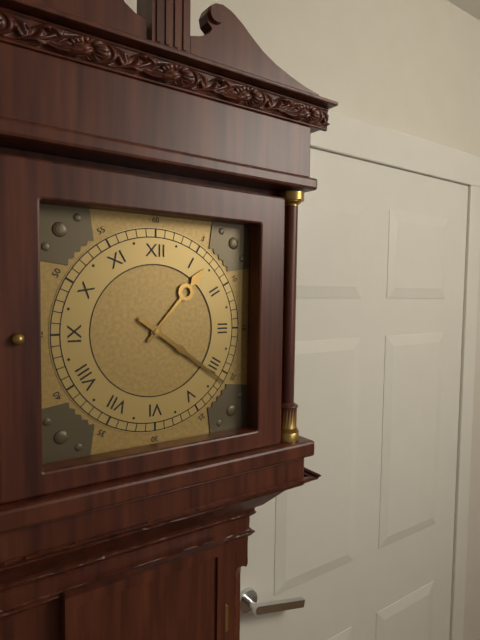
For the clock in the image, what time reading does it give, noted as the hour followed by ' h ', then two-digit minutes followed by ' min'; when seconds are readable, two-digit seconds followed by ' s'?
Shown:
1 h 21 min
